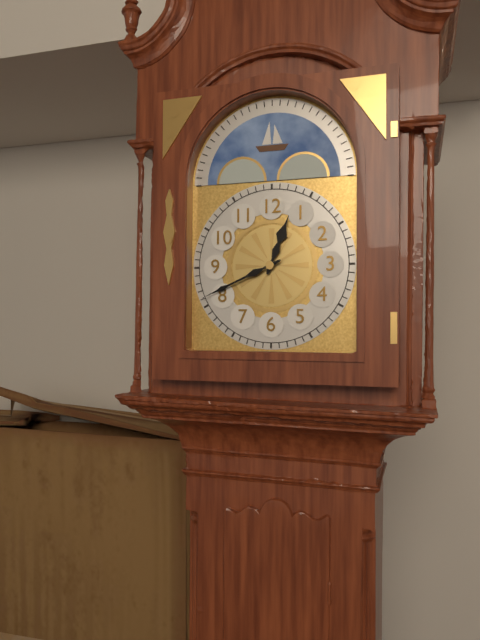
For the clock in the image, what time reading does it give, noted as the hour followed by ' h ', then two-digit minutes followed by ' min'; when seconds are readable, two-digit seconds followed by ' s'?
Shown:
12 h 41 min
